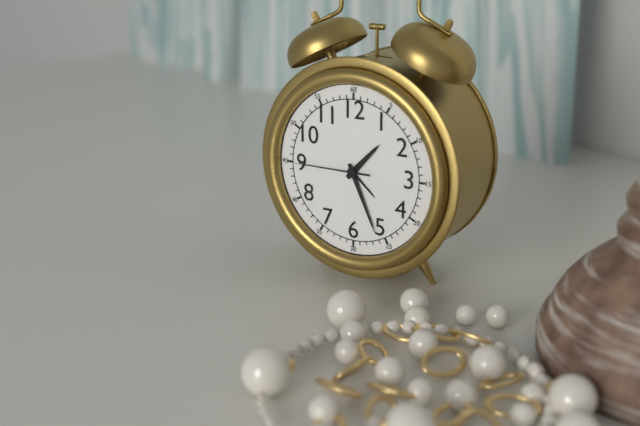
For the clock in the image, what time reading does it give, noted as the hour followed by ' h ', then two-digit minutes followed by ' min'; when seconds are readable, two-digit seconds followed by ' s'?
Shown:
1 h 26 min 45 s
